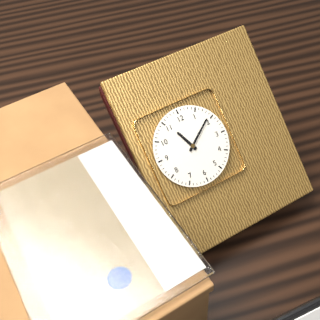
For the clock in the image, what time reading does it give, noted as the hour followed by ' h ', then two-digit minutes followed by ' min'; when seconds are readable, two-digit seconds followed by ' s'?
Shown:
11 h 09 min
